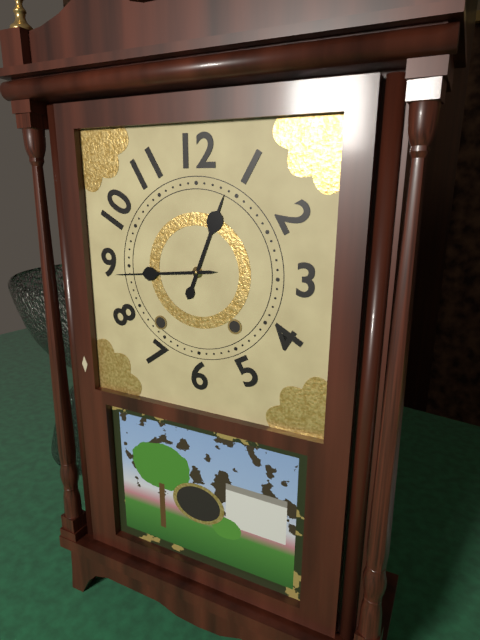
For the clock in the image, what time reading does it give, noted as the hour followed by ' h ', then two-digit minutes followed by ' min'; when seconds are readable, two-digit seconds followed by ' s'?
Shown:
12 h 44 min
